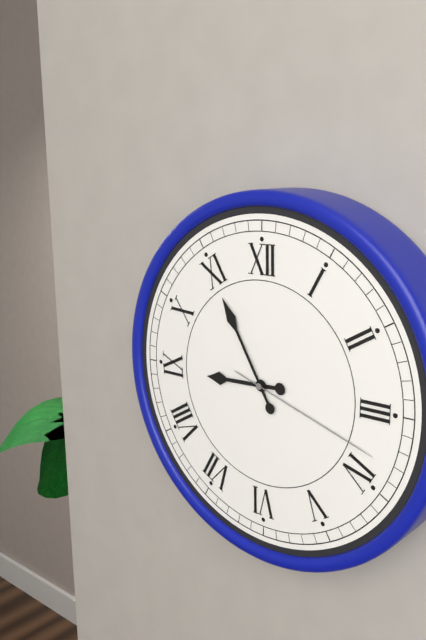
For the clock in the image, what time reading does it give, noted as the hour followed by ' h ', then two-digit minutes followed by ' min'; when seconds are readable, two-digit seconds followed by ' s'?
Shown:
8 h 55 min 18 s
